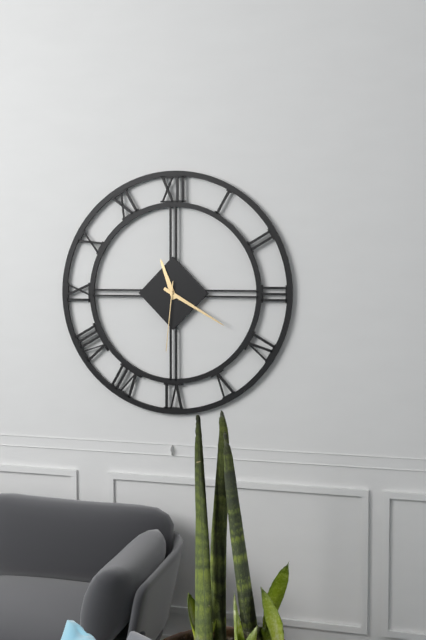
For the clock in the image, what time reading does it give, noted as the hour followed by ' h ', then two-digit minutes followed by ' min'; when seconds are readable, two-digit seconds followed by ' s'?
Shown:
11 h 20 min 31 s
